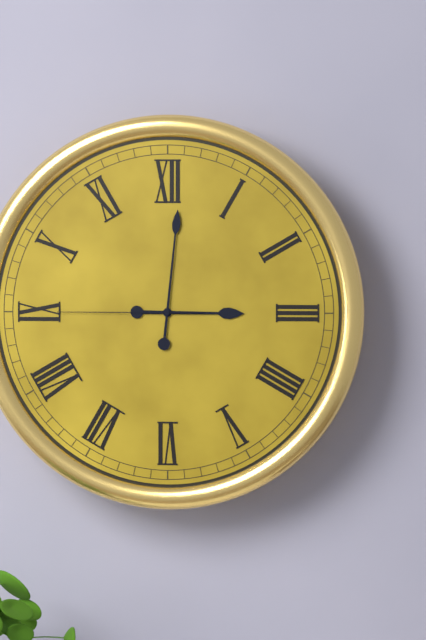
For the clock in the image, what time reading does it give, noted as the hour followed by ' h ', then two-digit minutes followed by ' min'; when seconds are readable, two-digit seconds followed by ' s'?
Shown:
3 h 01 min 45 s
